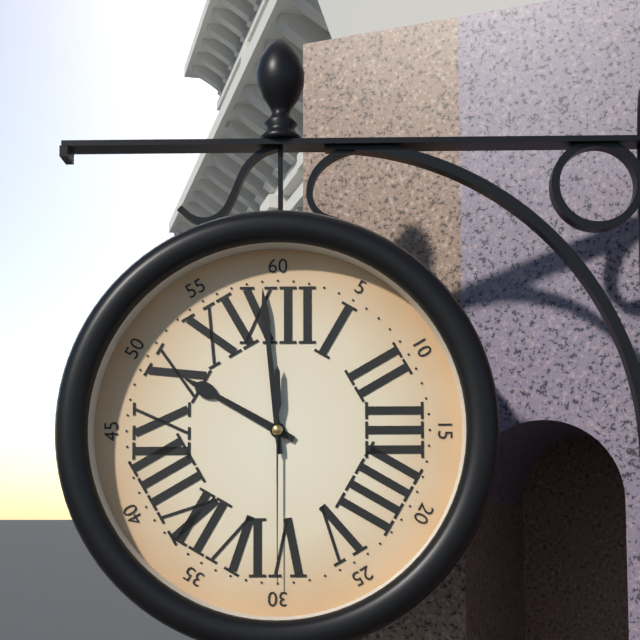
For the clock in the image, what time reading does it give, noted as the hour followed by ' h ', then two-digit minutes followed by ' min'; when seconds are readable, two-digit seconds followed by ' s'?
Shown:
9 h 59 min 30 s
